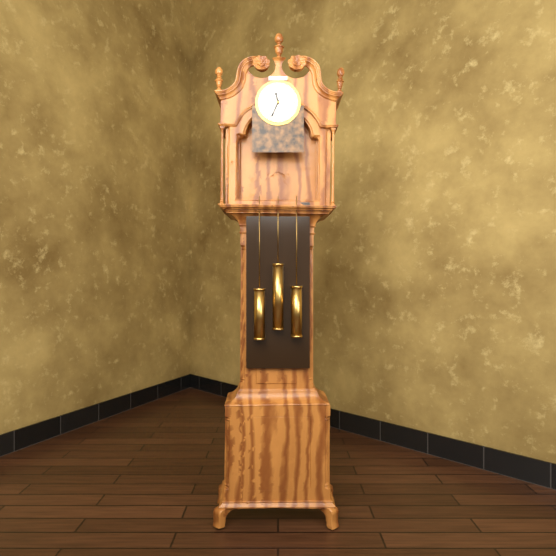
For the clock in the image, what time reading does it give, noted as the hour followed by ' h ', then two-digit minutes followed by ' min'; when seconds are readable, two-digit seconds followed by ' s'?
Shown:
11 h 34 min
